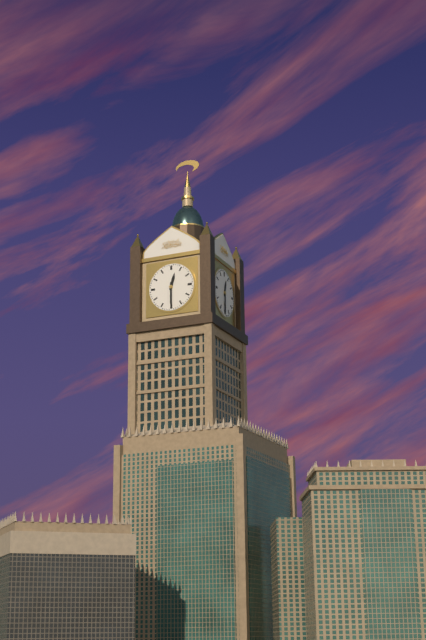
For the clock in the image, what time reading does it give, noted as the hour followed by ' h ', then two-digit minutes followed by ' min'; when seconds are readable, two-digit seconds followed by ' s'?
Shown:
12 h 30 min
